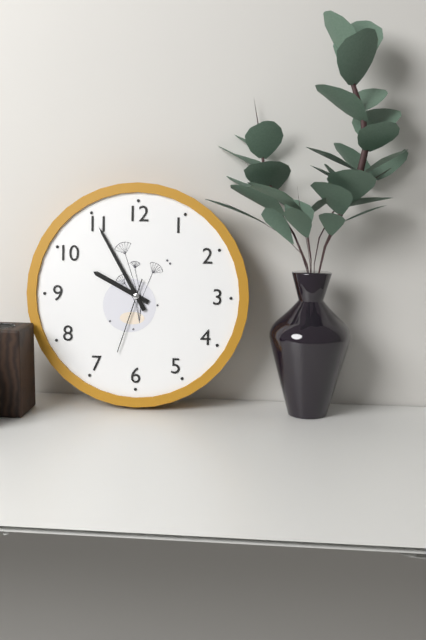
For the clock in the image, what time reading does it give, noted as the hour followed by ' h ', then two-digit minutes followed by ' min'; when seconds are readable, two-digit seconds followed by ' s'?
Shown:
9 h 55 min 33 s
